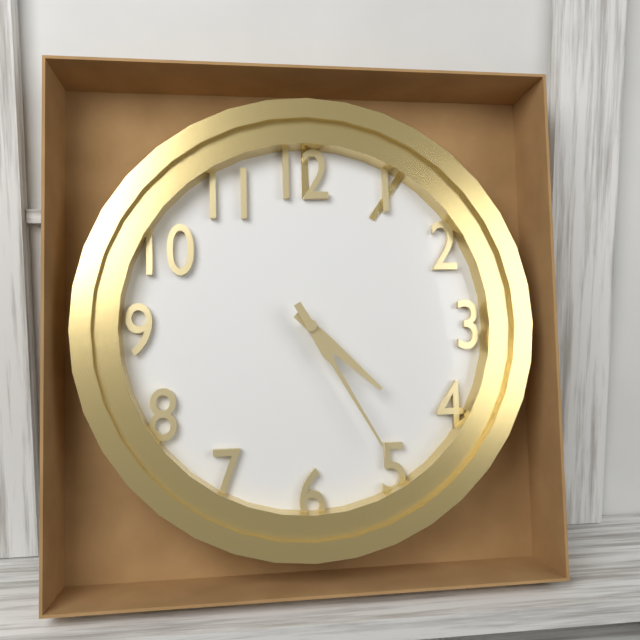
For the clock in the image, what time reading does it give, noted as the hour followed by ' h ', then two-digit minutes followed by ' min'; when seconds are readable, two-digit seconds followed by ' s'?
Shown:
4 h 25 min
